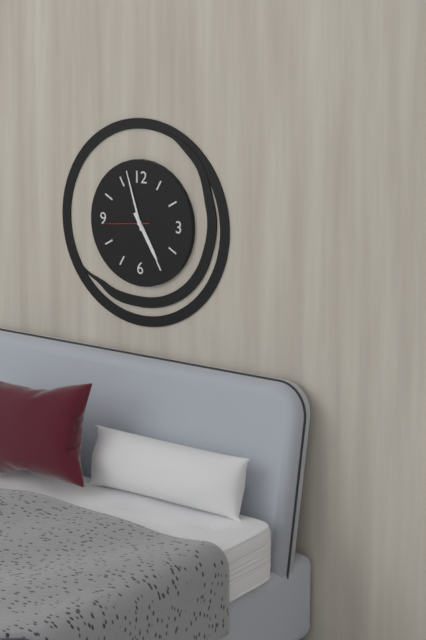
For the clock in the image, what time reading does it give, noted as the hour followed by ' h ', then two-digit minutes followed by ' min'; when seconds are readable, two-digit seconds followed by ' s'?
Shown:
4 h 57 min 44 s
